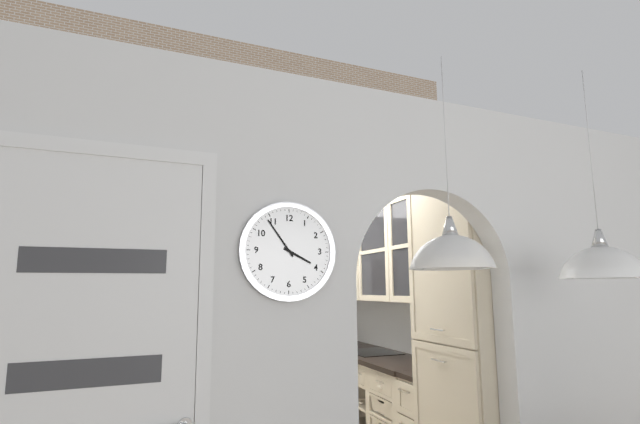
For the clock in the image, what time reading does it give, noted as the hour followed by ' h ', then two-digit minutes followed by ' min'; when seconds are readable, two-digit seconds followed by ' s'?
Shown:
3 h 54 min
